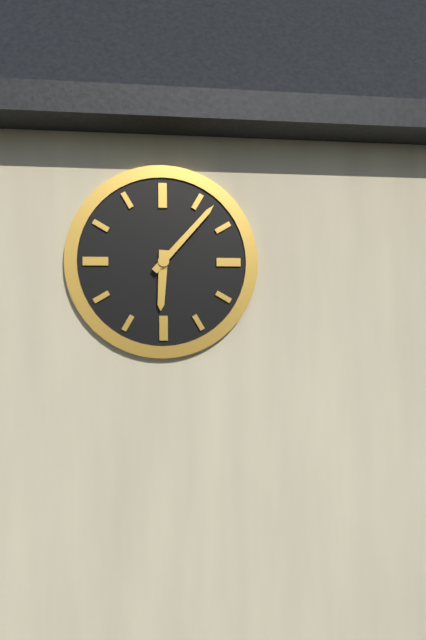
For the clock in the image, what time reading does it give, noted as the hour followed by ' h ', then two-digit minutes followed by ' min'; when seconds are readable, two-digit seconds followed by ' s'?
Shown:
6 h 07 min
